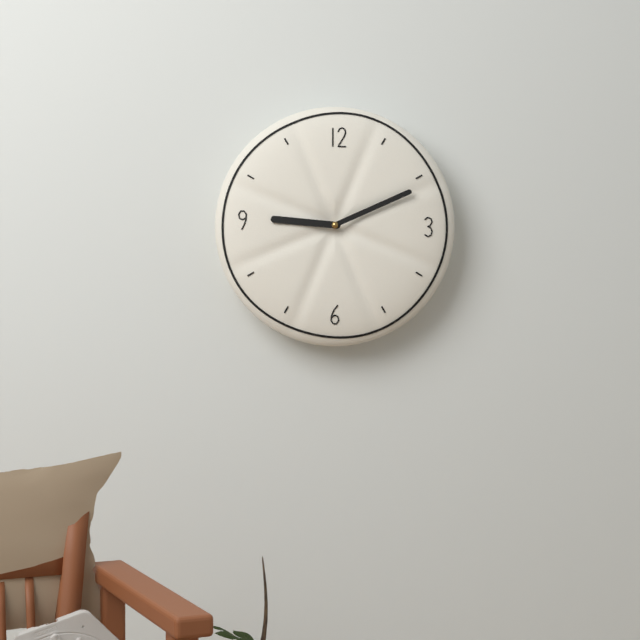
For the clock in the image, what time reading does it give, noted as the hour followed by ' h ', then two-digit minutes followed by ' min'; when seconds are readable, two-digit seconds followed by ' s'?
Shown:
9 h 11 min
